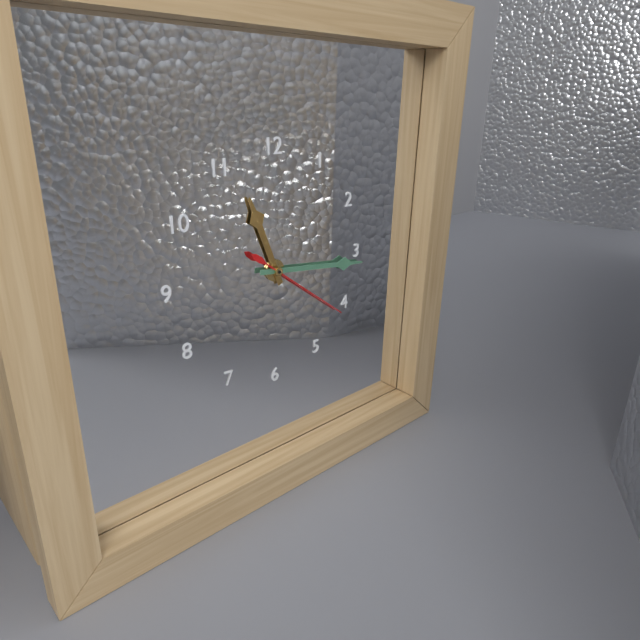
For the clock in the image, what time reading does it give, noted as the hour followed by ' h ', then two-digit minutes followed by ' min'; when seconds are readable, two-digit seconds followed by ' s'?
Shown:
11 h 16 min 21 s
